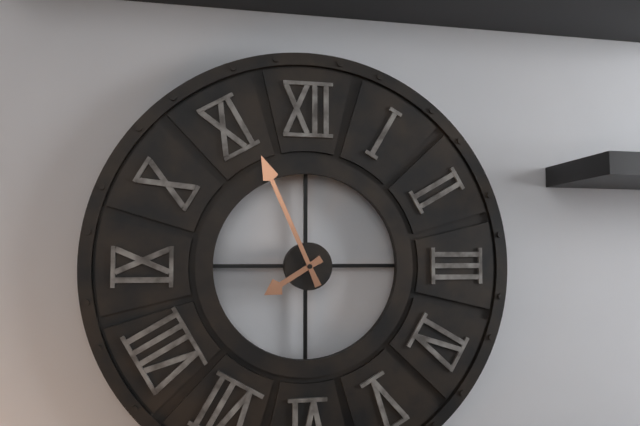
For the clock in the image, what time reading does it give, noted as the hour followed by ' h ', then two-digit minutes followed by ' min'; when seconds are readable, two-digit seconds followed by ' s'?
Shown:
7 h 56 min
